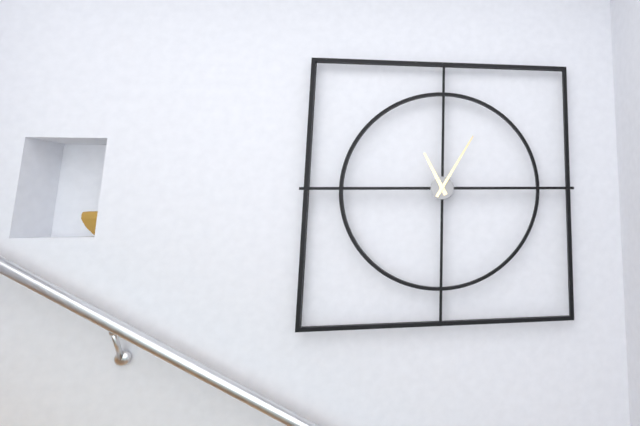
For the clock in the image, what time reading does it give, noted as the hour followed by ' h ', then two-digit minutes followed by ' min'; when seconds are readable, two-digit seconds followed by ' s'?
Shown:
11 h 05 min
